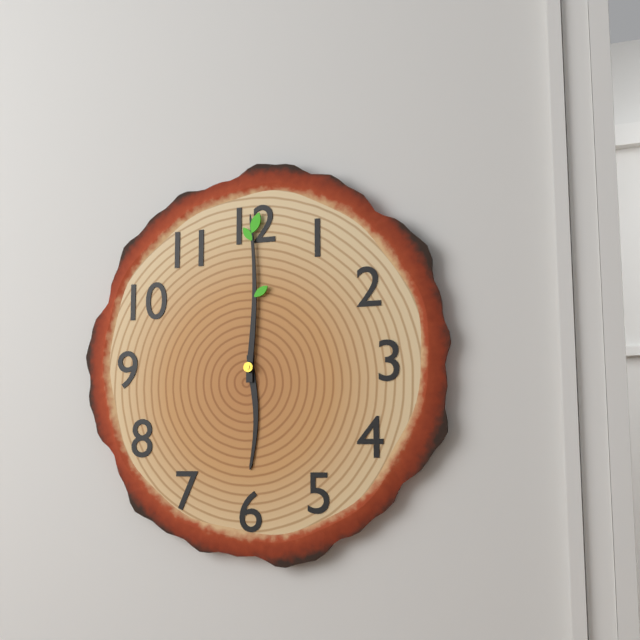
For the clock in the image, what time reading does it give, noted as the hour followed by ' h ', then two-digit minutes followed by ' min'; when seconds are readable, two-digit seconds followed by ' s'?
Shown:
6 h 00 min
